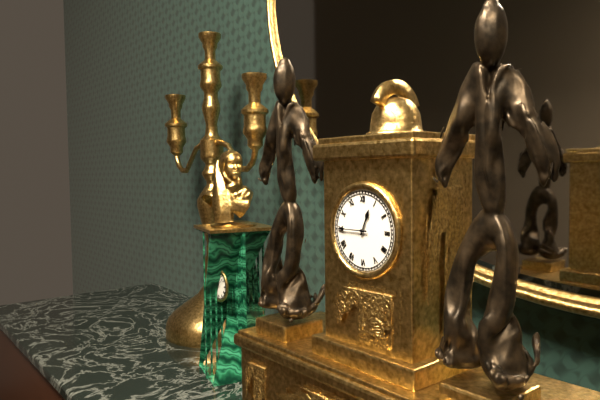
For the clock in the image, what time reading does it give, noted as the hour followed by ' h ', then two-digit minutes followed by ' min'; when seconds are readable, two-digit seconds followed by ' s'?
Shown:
12 h 45 min
